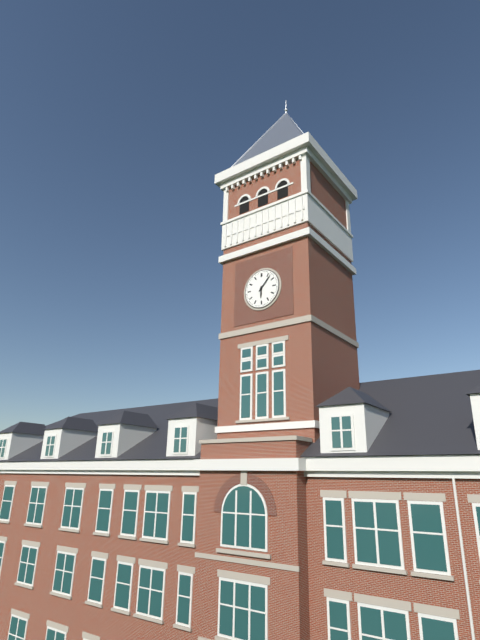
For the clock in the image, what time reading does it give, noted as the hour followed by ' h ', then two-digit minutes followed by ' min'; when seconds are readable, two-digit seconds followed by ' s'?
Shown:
6 h 07 min
